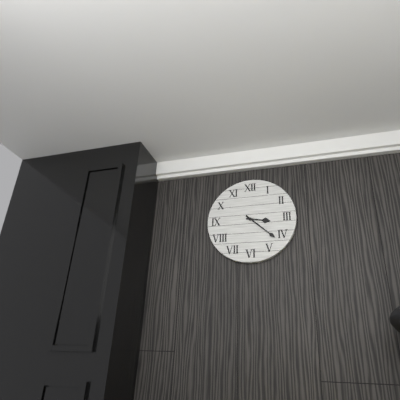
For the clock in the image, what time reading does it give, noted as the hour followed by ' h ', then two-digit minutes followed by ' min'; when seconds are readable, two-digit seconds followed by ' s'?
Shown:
3 h 22 min
